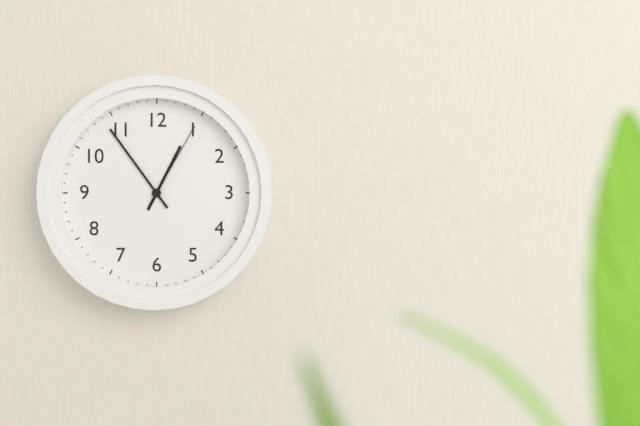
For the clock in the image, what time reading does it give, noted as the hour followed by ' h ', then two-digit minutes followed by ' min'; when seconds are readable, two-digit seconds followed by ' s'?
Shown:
12 h 54 min 05 s
